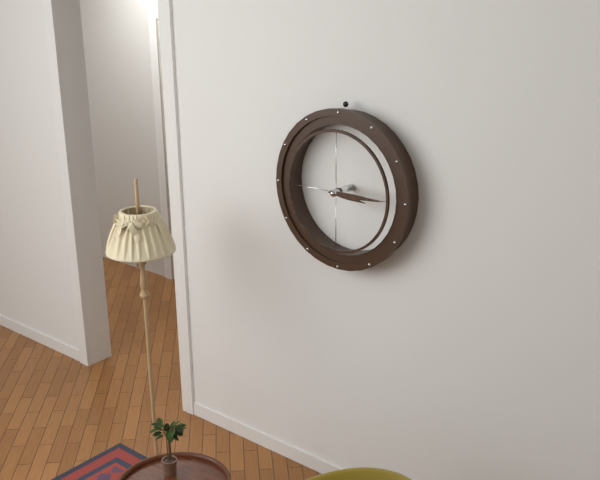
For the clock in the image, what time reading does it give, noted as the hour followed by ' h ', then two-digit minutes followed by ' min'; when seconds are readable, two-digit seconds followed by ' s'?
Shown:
3 h 15 min
